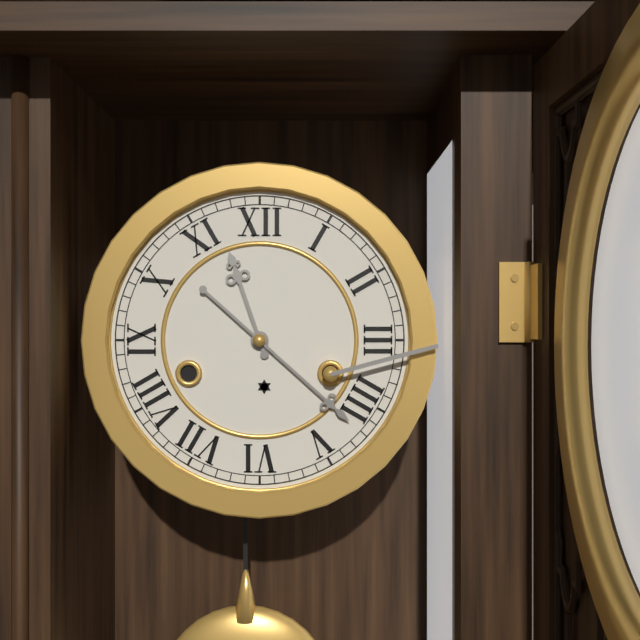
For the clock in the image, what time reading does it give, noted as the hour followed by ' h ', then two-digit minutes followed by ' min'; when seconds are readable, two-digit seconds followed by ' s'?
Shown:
11 h 22 min
